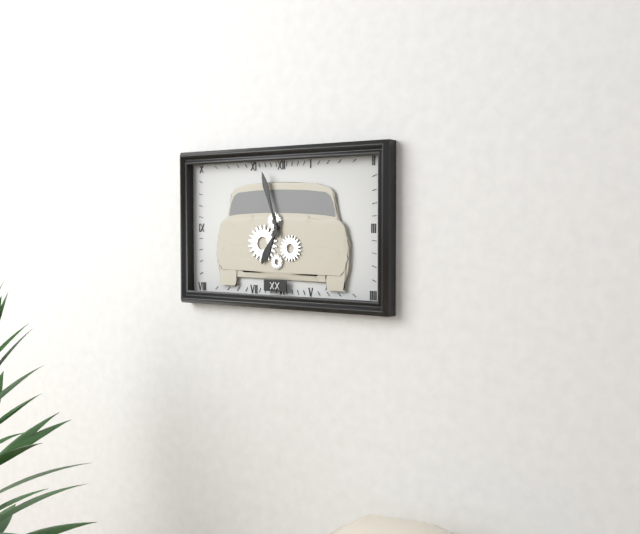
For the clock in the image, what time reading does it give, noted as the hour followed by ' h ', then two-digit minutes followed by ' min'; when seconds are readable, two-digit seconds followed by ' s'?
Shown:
6 h 57 min
